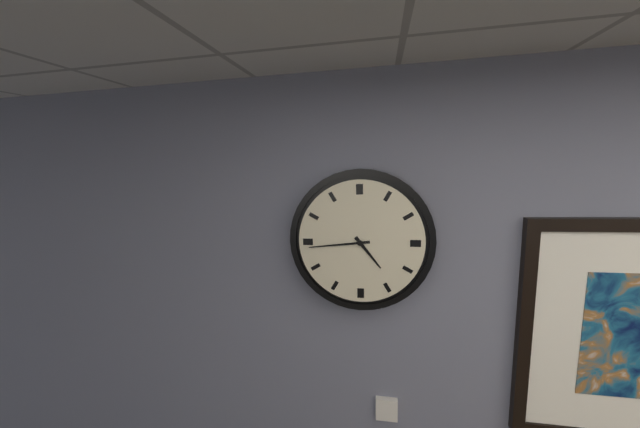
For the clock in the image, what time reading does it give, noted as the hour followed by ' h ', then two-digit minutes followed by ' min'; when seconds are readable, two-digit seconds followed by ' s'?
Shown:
4 h 44 min
